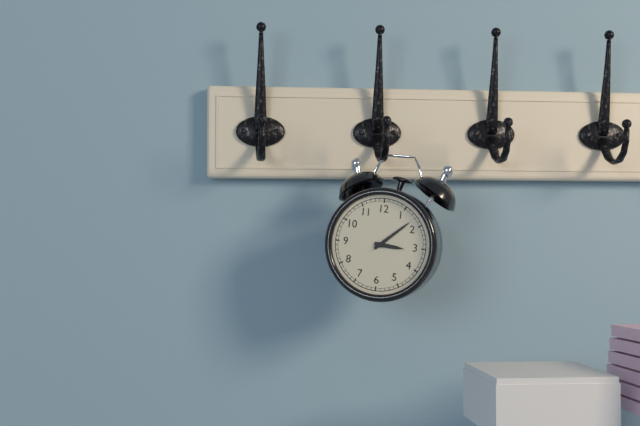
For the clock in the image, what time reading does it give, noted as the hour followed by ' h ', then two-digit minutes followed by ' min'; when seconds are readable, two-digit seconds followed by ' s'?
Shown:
3 h 08 min
